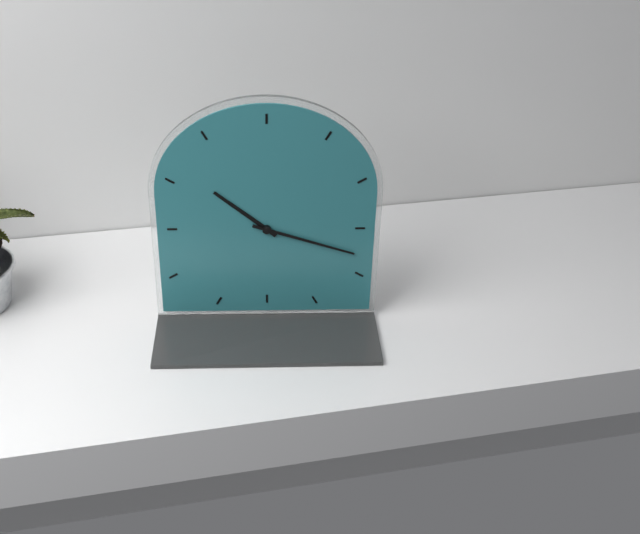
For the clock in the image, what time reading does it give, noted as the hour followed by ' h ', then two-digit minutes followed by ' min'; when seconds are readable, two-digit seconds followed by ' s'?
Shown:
10 h 18 min
